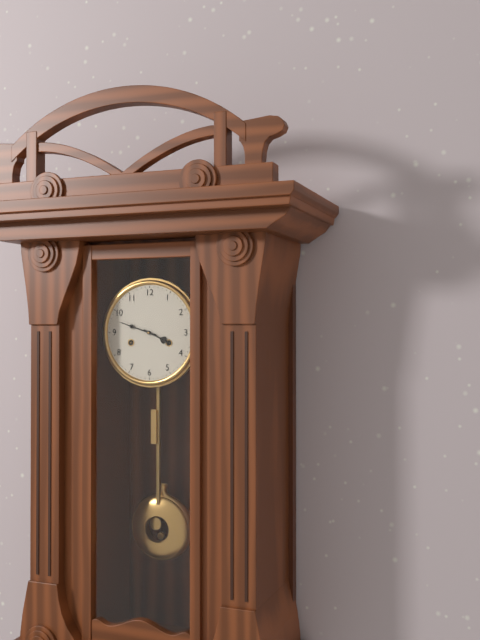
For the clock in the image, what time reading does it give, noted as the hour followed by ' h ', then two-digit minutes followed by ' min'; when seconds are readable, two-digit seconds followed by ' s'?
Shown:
3 h 48 min
